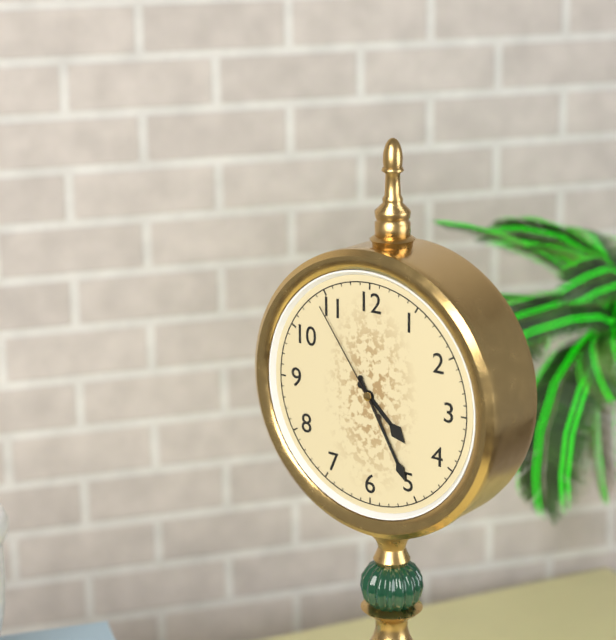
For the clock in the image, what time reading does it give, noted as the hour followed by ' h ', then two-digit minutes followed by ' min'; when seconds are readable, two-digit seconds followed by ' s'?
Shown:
4 h 25 min 54 s
